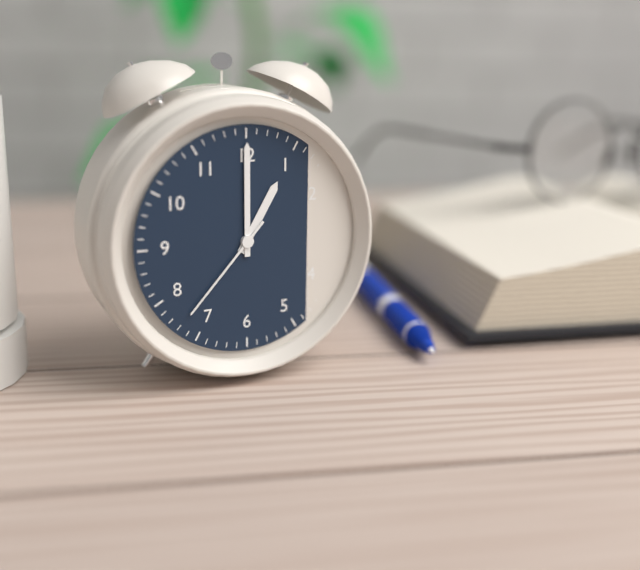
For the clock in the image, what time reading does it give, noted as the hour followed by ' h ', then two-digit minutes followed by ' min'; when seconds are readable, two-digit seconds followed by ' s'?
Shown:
1 h 00 min 37 s
